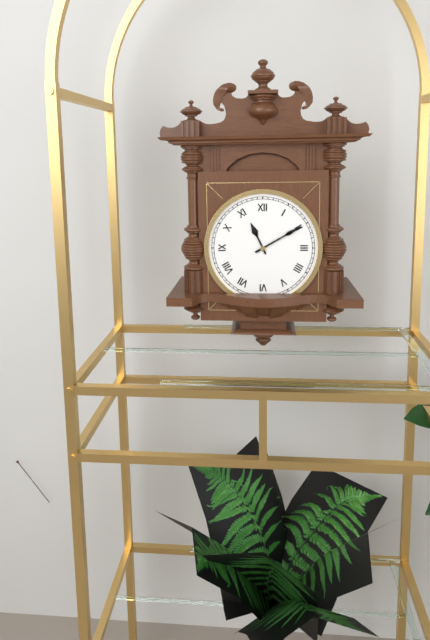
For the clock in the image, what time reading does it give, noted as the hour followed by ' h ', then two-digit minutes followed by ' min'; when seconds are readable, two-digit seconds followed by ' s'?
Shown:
11 h 10 min
